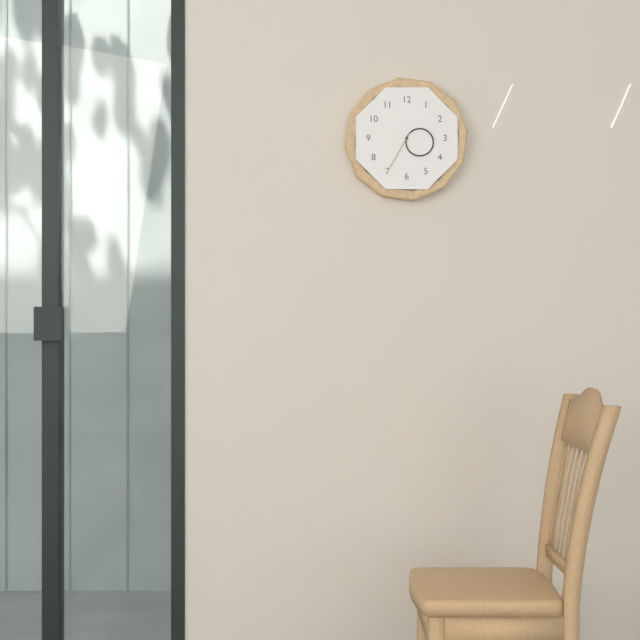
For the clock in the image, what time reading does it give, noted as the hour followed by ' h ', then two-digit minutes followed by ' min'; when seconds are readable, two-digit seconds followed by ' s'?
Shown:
3 h 35 min
